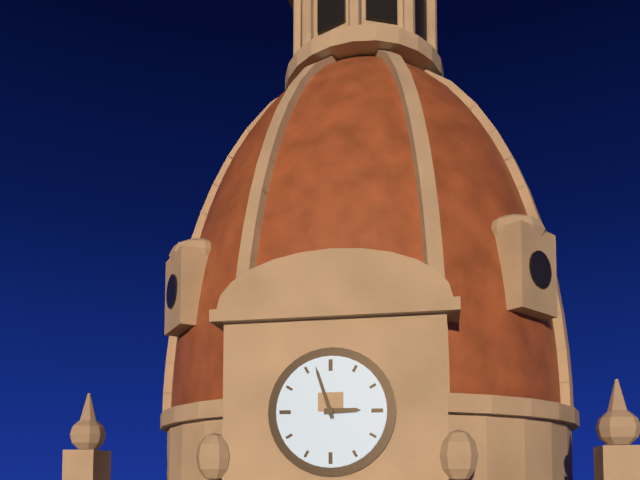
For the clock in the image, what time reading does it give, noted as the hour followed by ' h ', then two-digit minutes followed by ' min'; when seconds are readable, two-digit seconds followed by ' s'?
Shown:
2 h 57 min
